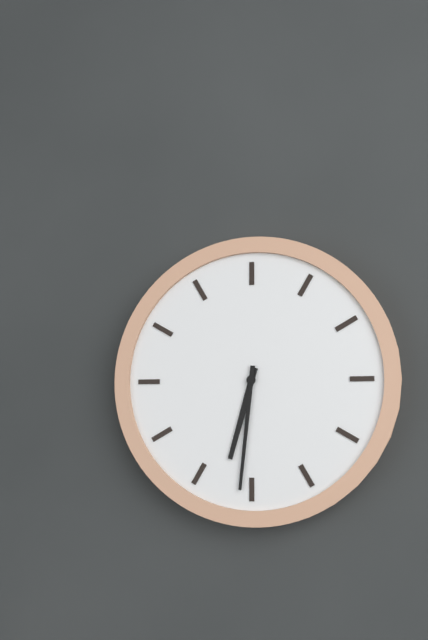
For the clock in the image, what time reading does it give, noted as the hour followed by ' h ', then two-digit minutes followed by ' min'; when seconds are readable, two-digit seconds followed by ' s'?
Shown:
6 h 31 min
